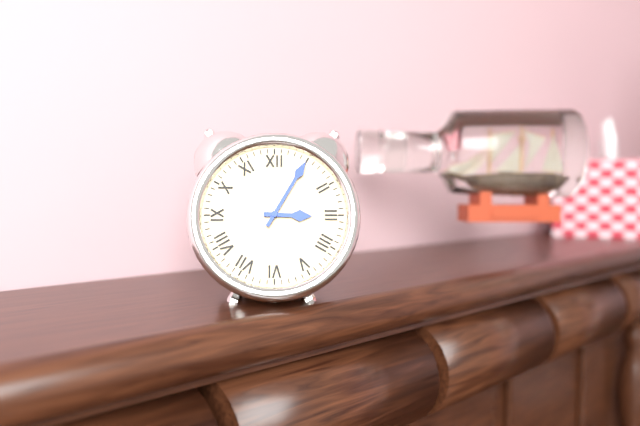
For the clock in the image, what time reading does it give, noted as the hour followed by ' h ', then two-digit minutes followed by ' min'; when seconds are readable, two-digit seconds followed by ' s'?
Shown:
3 h 05 min
